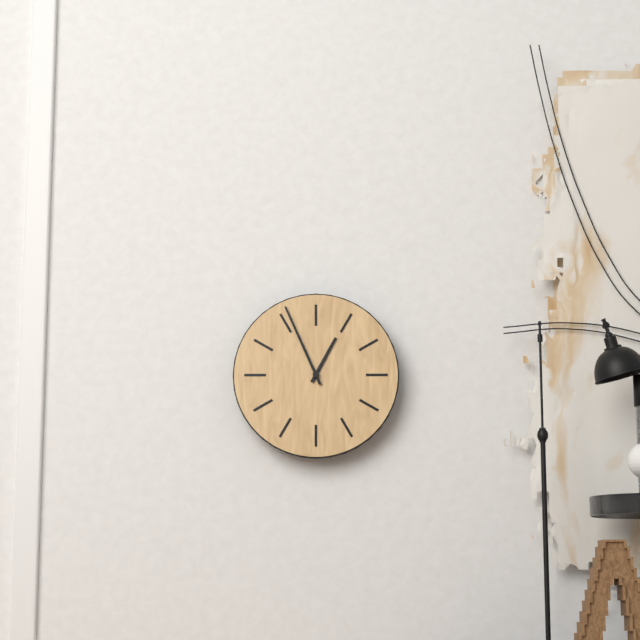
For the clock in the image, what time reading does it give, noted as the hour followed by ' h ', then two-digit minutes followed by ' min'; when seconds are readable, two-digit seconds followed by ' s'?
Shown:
12 h 56 min
